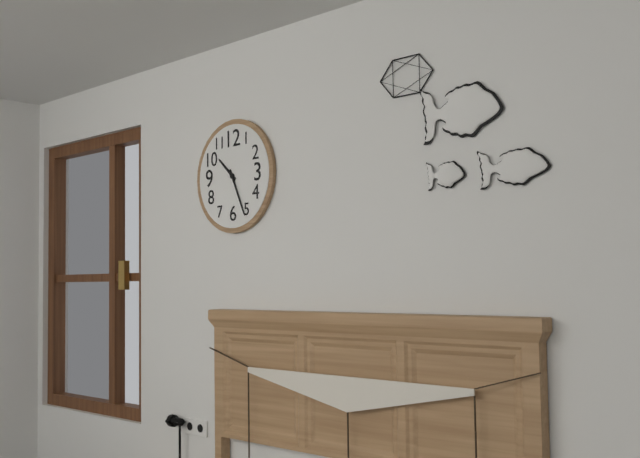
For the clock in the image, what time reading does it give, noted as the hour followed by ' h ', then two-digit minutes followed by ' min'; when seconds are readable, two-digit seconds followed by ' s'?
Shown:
10 h 26 min
